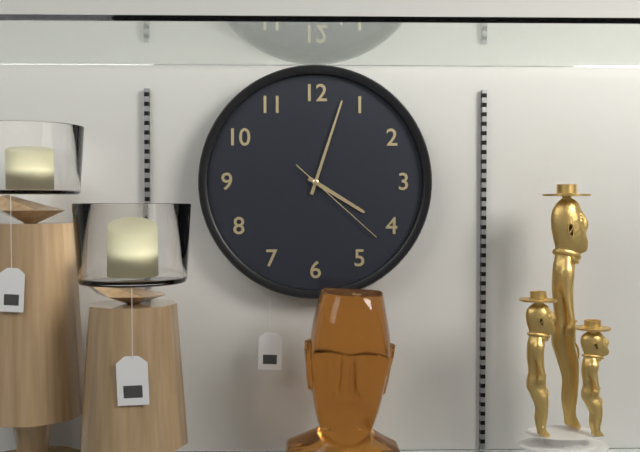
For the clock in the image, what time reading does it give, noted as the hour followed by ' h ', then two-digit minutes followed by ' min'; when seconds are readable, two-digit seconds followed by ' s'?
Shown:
4 h 03 min 22 s
